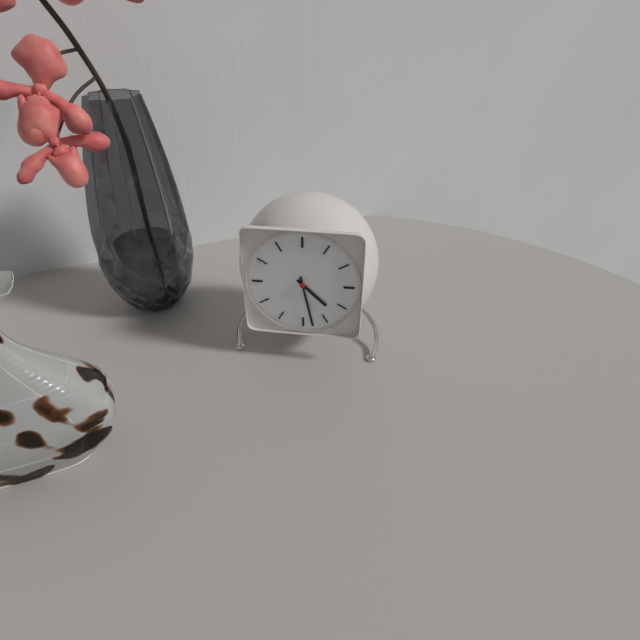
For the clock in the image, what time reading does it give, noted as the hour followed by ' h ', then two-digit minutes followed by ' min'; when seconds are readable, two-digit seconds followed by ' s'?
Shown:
4 h 28 min
